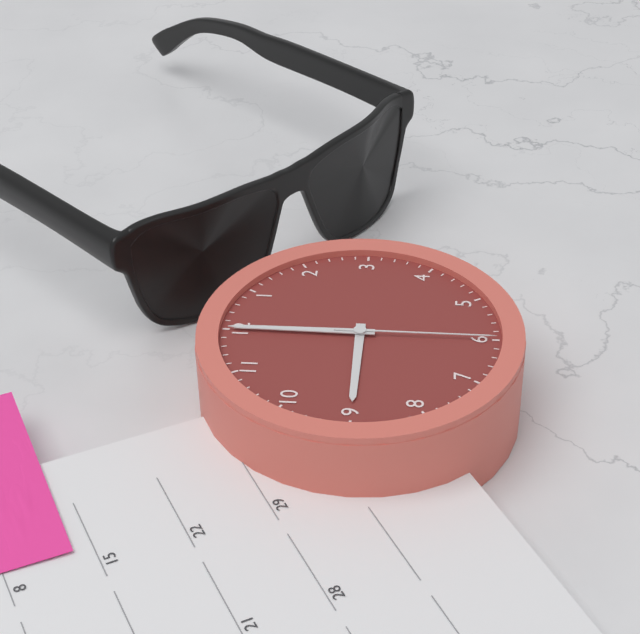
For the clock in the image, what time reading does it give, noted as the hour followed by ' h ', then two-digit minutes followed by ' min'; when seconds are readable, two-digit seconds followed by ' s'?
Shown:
9 h 00 min 30 s
